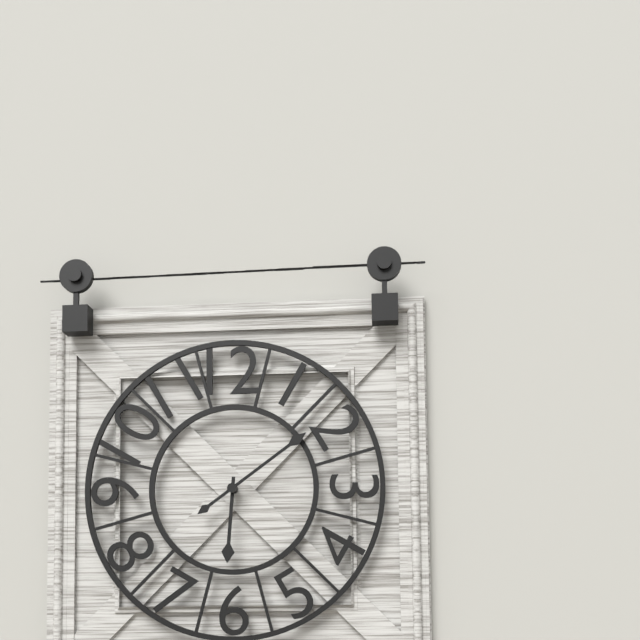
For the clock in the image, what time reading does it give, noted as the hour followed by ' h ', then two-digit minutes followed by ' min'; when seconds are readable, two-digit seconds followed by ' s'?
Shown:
6 h 09 min
